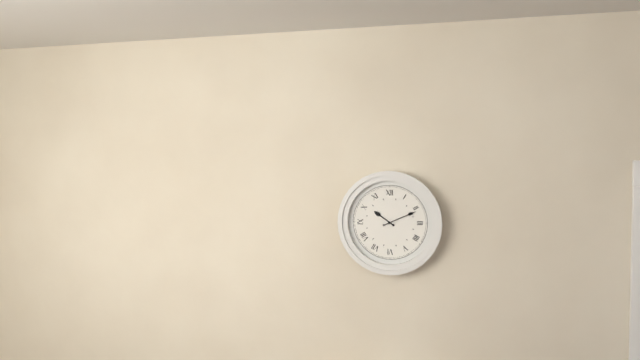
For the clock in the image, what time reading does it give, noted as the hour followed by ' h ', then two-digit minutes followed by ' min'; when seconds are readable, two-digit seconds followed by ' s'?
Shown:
10 h 11 min
